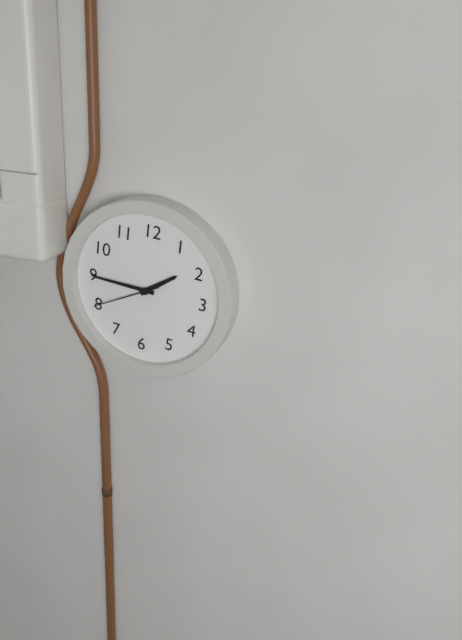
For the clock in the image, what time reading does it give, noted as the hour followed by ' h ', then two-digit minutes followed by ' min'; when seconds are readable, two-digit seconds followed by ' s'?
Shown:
1 h 45 min 40 s
